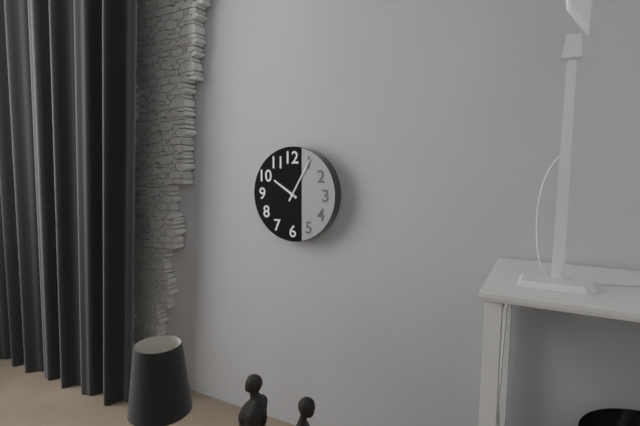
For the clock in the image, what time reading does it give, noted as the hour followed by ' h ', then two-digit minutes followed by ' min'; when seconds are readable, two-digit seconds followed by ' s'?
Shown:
10 h 05 min
